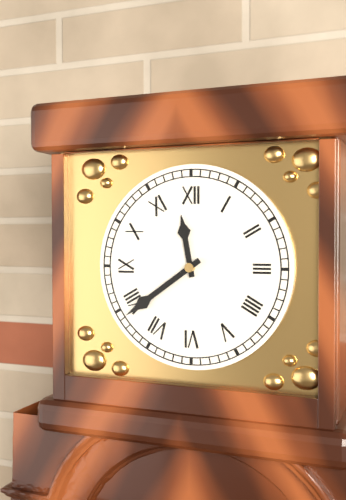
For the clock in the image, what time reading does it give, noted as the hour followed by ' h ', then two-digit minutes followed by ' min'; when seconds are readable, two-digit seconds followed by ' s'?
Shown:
11 h 39 min
